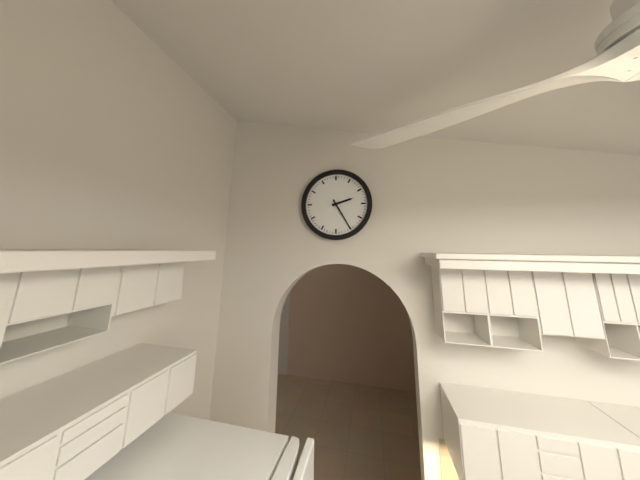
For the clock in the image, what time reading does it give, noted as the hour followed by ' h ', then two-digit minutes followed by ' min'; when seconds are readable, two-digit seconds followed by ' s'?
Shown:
2 h 25 min
